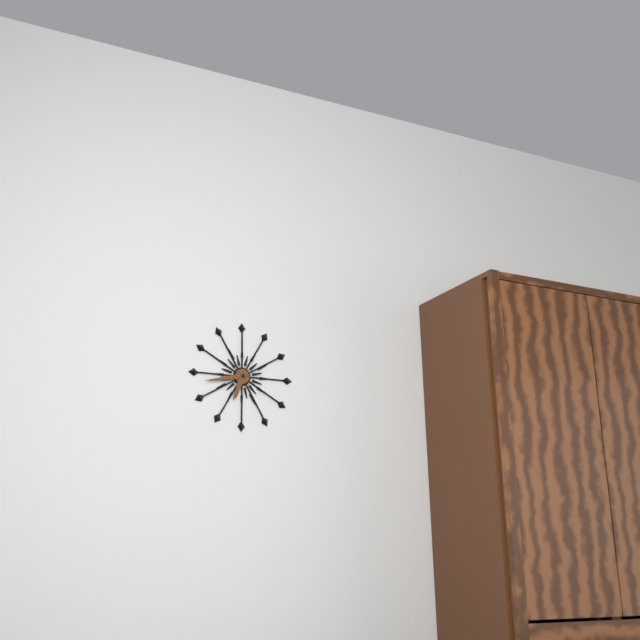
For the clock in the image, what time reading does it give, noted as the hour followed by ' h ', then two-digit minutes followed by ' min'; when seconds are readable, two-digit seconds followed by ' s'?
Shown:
6 h 43 min
